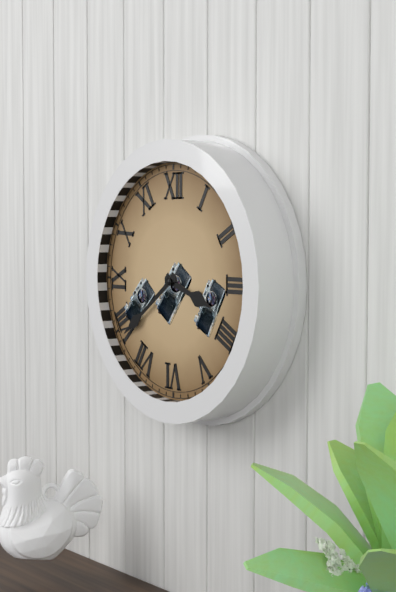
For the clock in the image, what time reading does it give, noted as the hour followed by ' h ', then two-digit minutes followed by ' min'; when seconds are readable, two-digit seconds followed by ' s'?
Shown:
3 h 39 min
